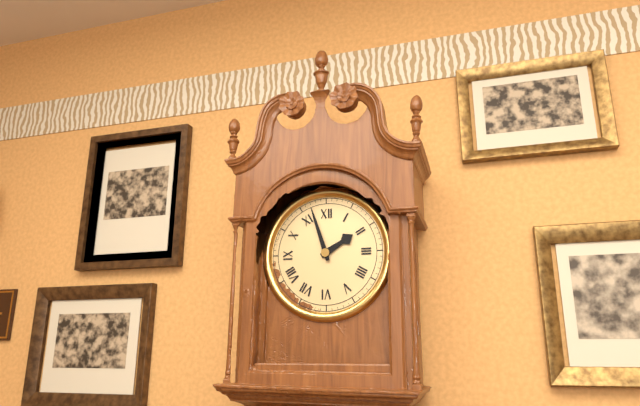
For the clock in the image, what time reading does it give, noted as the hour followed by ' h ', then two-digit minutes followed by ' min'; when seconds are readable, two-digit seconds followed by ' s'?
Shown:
1 h 57 min
